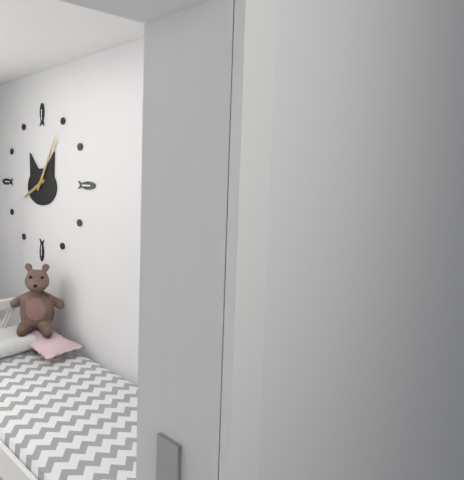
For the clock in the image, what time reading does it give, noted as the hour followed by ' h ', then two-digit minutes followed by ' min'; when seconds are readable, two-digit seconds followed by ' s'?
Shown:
8 h 05 min
